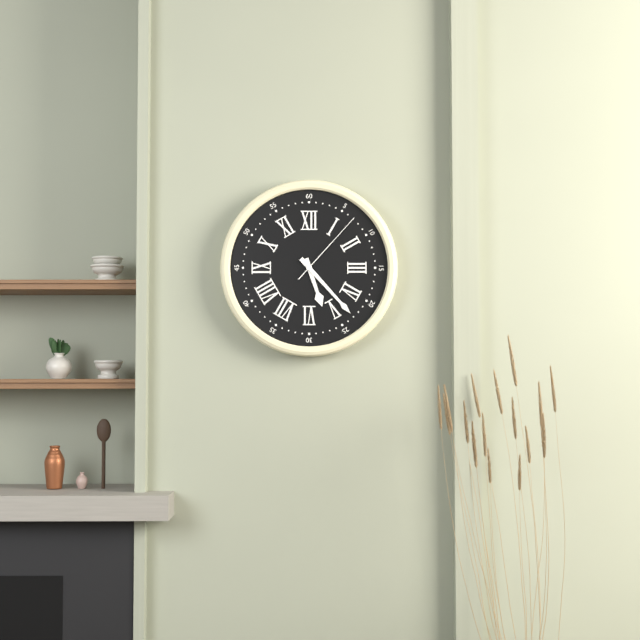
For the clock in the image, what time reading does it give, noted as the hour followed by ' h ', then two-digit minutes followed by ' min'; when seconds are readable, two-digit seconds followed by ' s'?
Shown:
5 h 23 min 07 s
